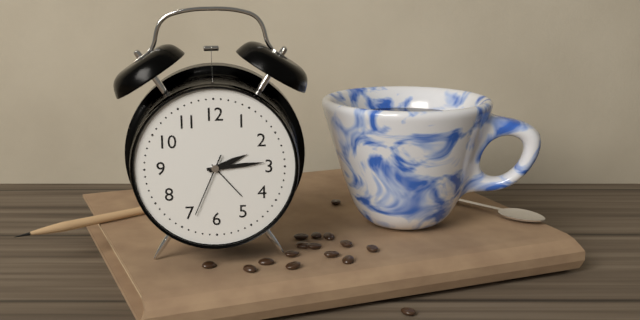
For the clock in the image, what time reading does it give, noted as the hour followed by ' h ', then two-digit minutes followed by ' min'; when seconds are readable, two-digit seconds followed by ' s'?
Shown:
2 h 14 min 34 s
